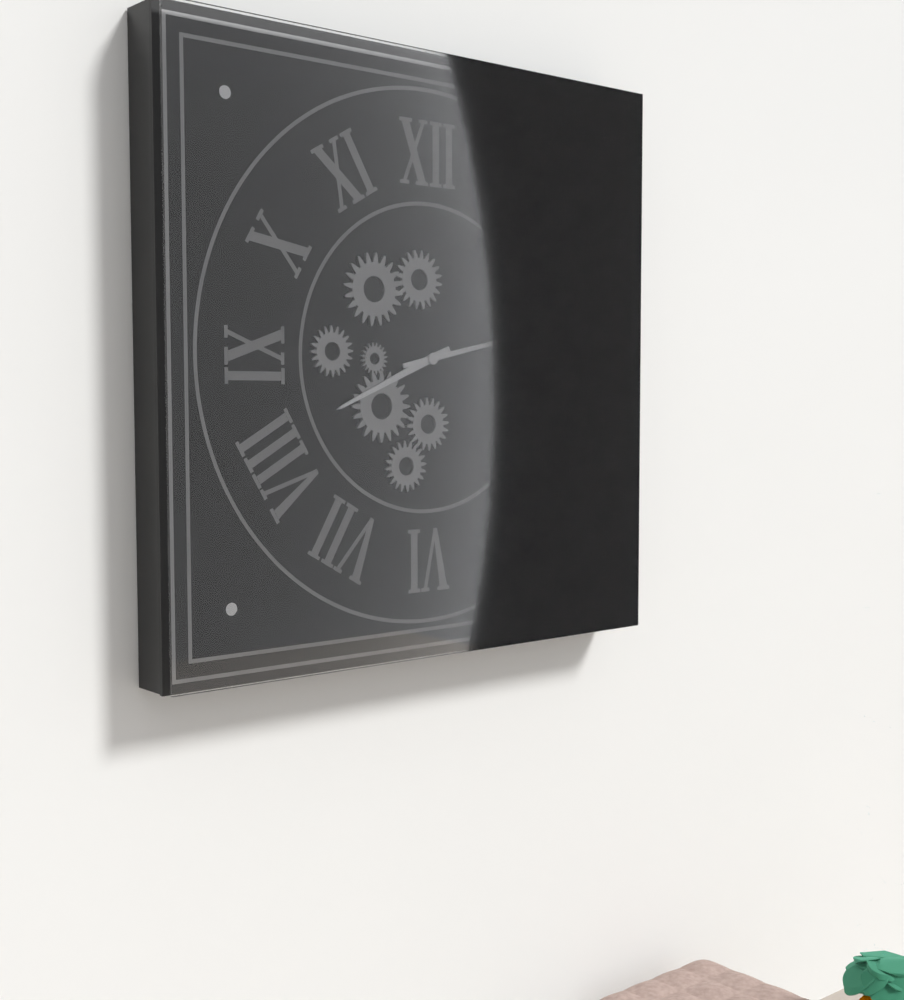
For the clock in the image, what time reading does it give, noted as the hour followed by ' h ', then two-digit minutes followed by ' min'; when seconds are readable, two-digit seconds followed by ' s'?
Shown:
8 h 13 min
